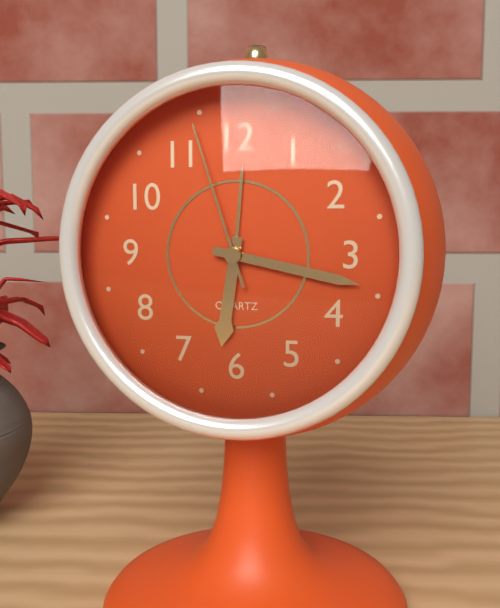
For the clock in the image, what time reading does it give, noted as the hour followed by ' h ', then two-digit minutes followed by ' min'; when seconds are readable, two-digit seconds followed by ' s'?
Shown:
6 h 17 min 57 s
